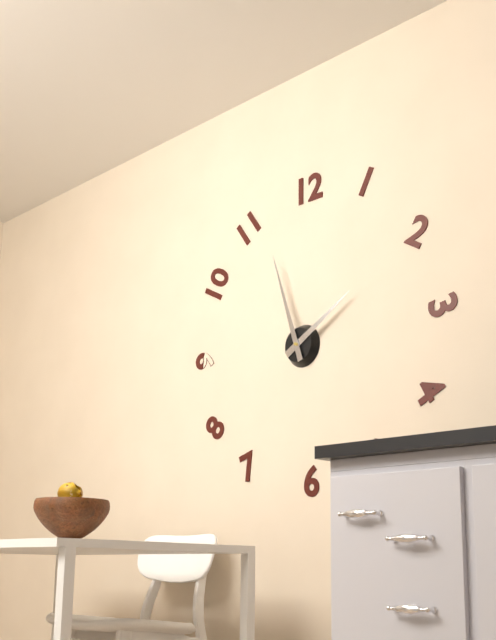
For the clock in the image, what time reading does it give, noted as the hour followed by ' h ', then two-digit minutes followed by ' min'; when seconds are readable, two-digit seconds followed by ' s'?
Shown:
1 h 57 min
